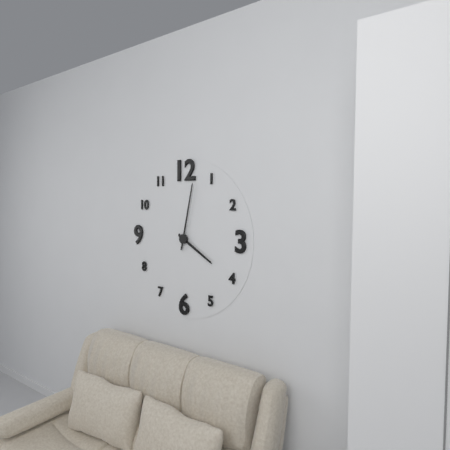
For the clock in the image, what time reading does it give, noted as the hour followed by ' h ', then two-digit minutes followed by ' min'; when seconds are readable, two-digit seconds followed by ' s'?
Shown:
4 h 02 min
